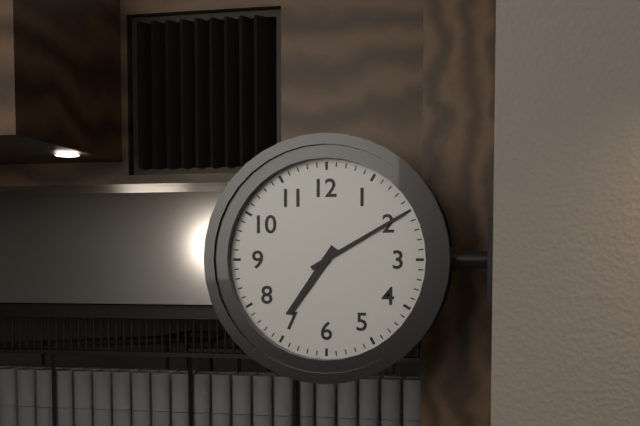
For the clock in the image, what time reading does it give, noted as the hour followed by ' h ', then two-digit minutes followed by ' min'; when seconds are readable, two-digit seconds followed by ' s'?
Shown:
7 h 10 min
